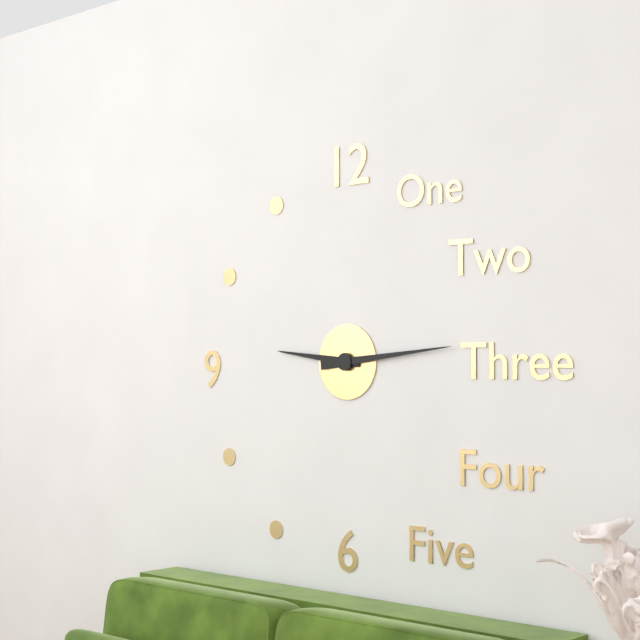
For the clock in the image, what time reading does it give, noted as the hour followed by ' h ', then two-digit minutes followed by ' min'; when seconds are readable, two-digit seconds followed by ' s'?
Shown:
9 h 14 min
